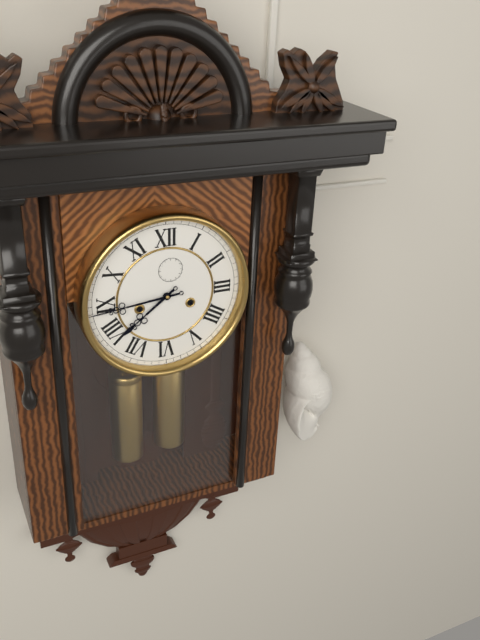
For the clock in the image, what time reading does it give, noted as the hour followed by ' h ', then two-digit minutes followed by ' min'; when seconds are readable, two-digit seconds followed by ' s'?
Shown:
7 h 44 min
